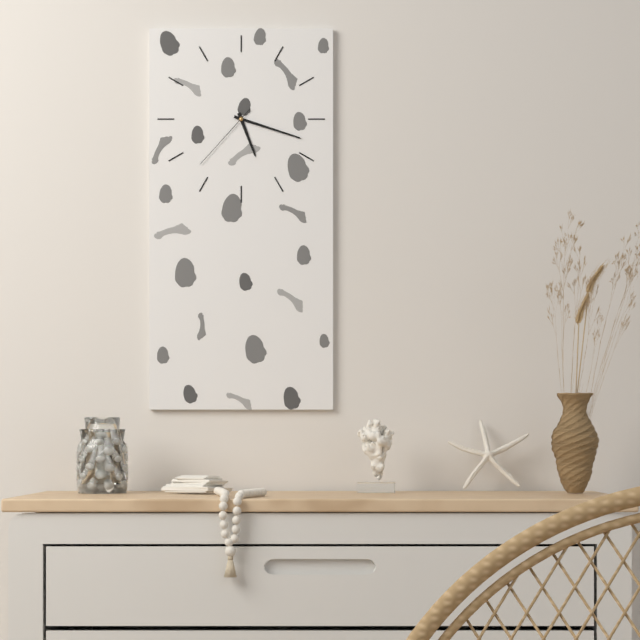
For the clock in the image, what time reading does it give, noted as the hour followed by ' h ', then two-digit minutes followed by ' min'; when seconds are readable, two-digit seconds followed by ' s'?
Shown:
5 h 18 min 37 s
